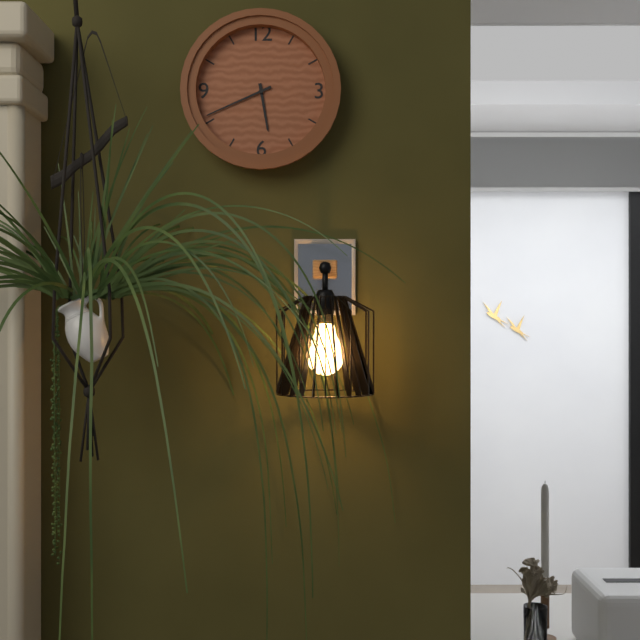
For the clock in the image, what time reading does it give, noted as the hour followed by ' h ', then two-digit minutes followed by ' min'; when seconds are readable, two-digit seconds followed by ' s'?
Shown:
5 h 41 min
